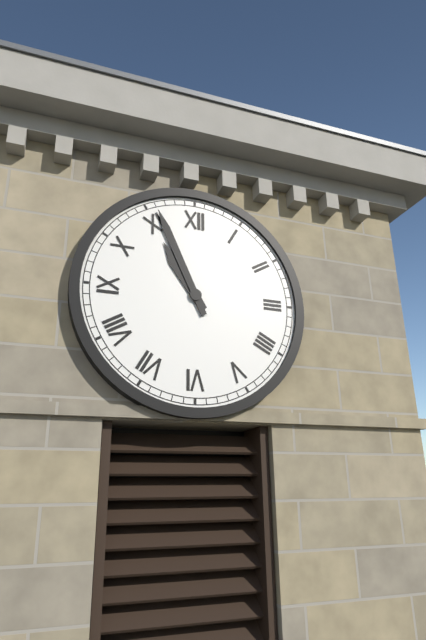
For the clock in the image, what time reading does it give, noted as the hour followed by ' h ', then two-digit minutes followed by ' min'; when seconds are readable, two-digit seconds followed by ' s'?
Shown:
10 h 56 min
